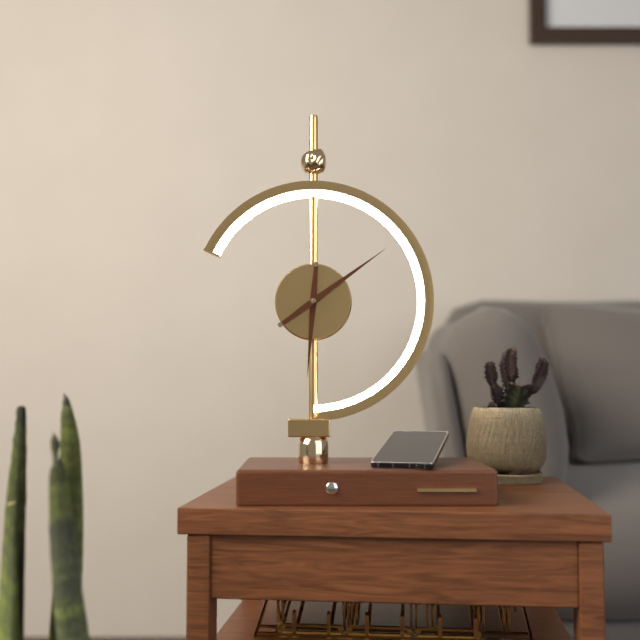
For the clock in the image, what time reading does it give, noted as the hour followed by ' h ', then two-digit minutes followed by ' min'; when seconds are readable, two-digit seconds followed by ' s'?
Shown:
6 h 09 min
